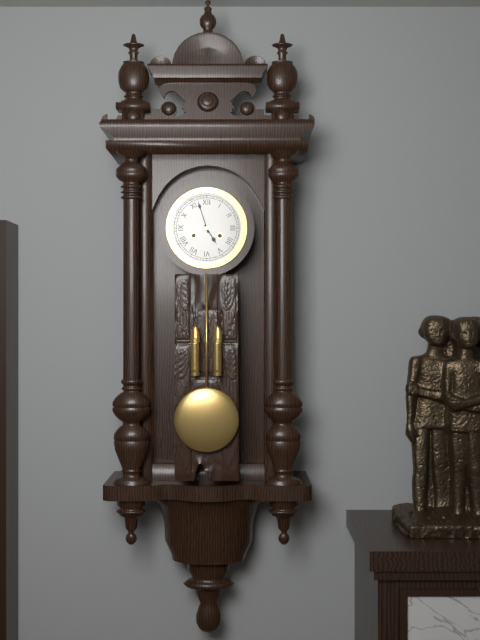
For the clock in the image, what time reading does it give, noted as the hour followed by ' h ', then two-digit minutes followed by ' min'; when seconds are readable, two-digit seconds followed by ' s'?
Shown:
4 h 57 min
